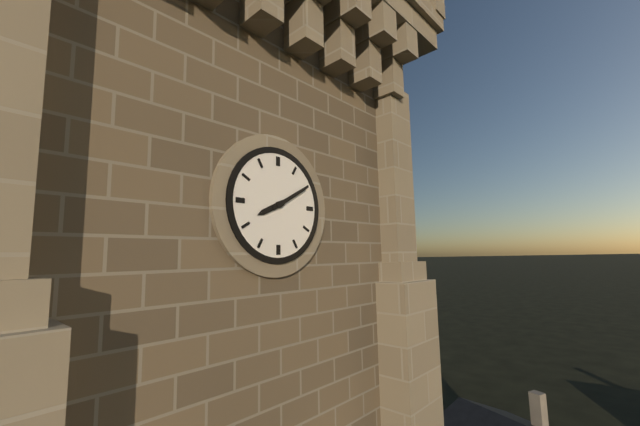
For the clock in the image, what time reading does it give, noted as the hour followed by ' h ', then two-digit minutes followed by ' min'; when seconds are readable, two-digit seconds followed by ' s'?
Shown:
8 h 10 min
